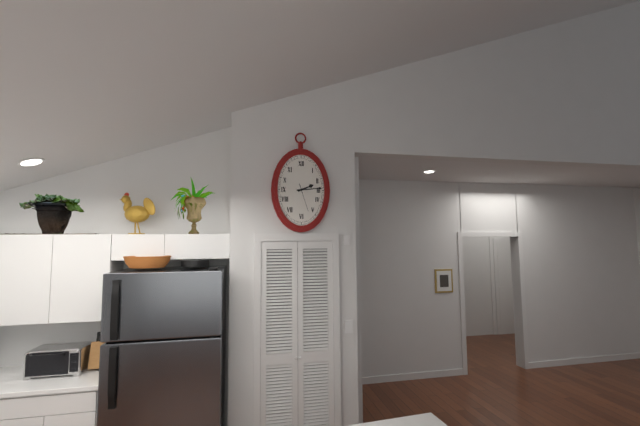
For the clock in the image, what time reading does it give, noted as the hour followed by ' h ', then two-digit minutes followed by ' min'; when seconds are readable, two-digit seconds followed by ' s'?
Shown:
2 h 14 min
